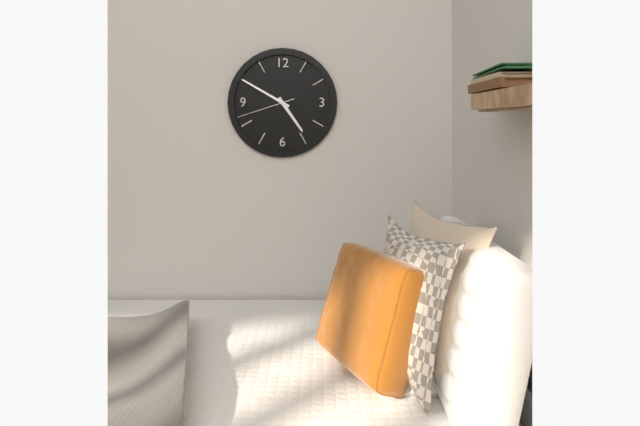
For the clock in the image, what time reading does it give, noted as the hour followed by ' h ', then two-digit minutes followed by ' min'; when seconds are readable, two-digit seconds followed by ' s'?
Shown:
4 h 50 min 42 s
